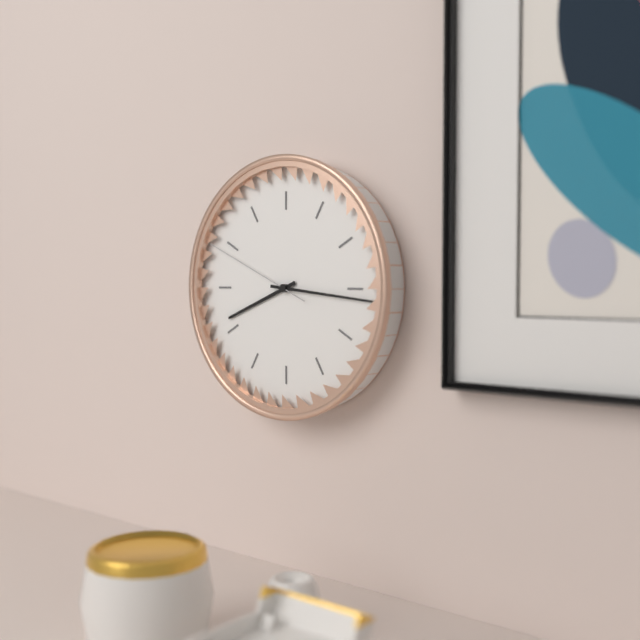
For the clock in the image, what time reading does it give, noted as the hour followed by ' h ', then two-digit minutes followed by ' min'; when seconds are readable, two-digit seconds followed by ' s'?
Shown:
8 h 16 min 49 s
